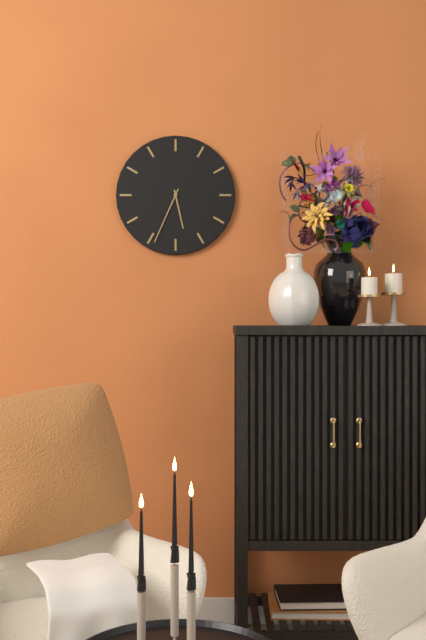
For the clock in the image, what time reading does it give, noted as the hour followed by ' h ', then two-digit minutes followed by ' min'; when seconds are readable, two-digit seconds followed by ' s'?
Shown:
5 h 34 min
